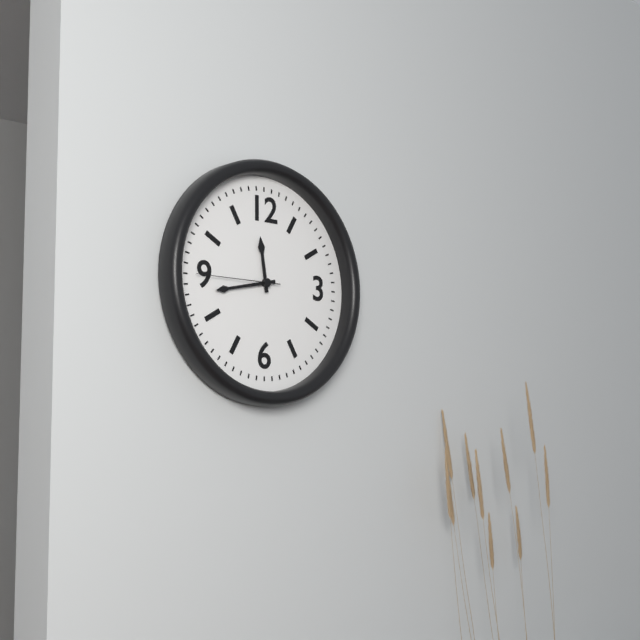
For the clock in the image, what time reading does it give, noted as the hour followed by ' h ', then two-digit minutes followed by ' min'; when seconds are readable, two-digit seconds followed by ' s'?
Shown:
11 h 43 min 45 s
